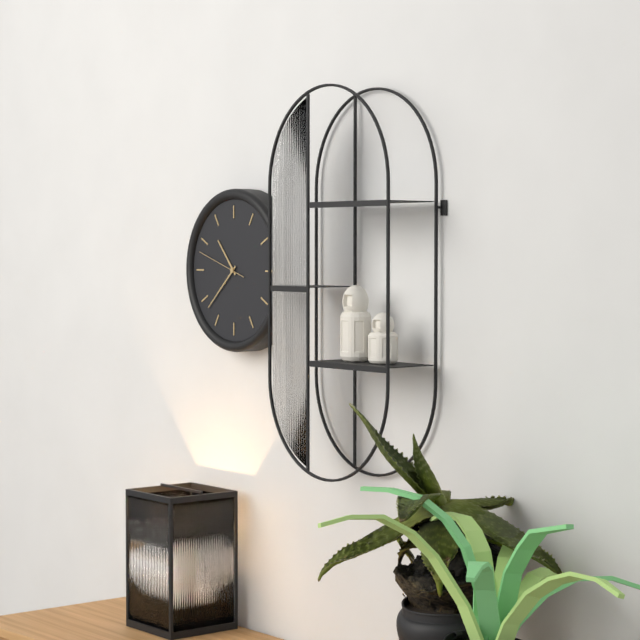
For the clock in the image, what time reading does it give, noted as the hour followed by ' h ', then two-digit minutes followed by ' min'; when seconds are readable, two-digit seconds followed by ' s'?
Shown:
10 h 38 min 48 s
